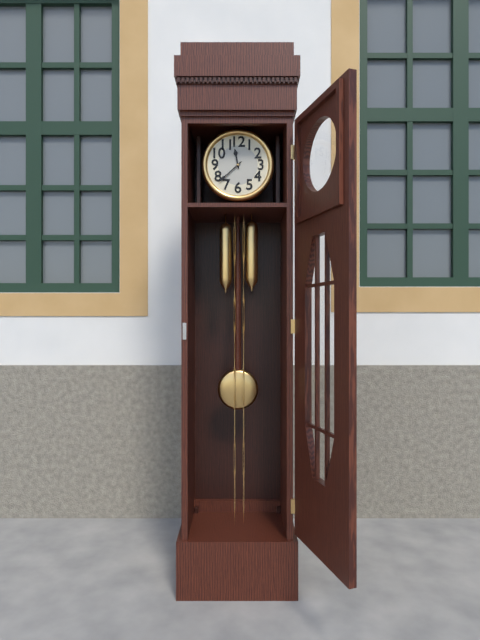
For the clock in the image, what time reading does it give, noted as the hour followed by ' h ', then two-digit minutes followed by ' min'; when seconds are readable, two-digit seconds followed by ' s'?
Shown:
11 h 38 min
